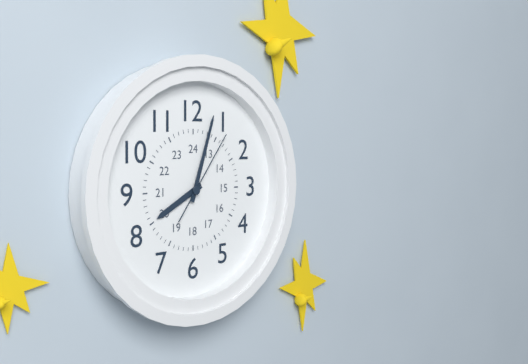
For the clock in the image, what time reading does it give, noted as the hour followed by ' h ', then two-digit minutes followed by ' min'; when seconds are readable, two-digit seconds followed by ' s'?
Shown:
8 h 03 min 06 s
